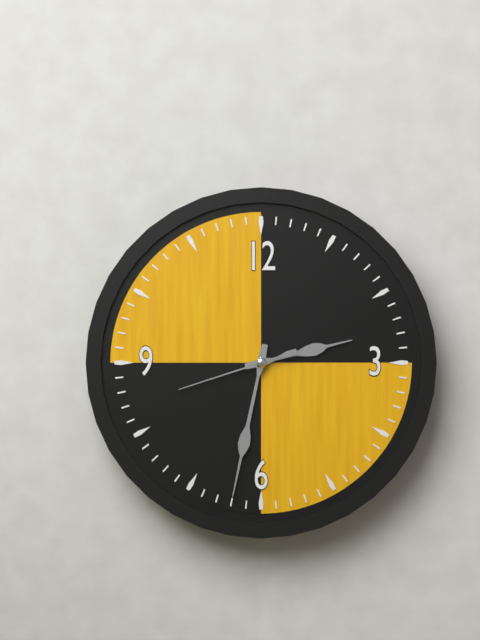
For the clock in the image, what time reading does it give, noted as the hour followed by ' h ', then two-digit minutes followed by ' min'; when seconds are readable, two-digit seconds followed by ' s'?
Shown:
2 h 32 min 42 s
